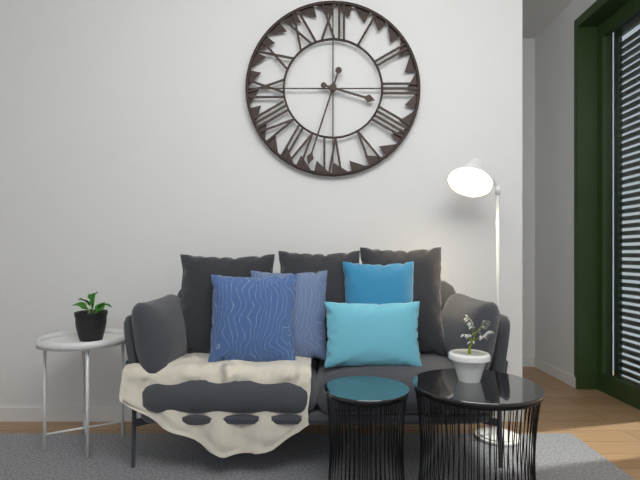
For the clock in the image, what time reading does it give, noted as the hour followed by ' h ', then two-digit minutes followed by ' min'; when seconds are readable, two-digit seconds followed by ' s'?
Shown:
3 h 33 min
